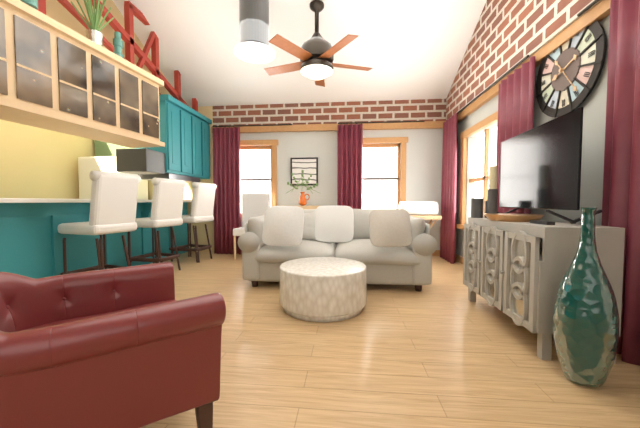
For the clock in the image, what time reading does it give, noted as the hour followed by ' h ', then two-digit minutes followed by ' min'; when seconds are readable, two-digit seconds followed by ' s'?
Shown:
2 h 24 min
